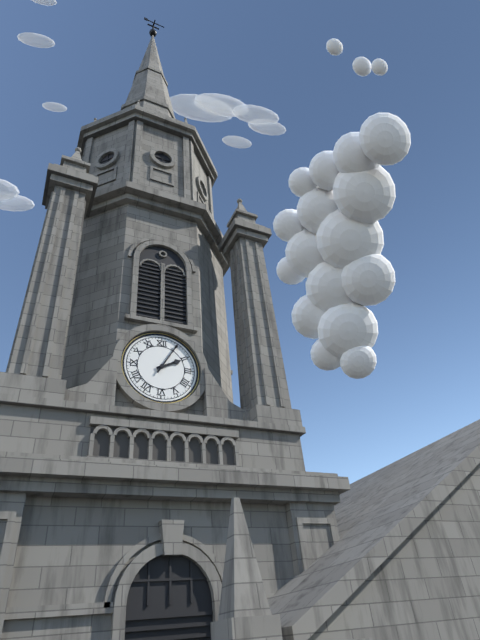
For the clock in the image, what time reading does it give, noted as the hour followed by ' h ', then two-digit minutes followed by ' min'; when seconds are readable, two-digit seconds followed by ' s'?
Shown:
2 h 05 min
